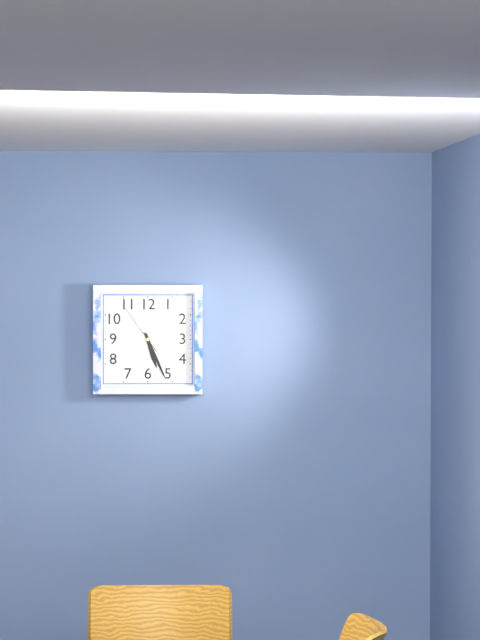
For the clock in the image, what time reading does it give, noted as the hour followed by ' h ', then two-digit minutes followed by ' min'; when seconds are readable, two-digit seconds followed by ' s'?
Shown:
5 h 26 min 54 s
